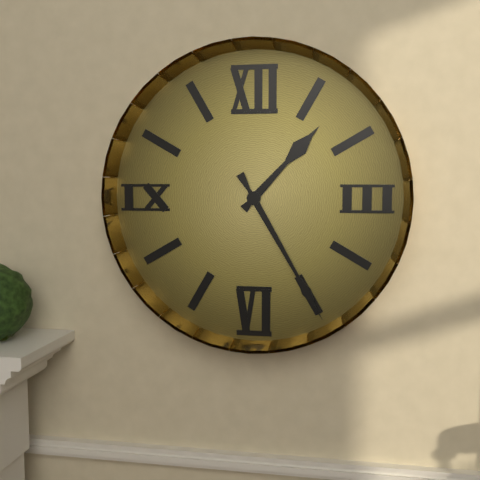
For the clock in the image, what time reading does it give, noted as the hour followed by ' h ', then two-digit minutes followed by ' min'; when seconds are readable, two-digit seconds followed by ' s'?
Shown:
1 h 25 min
